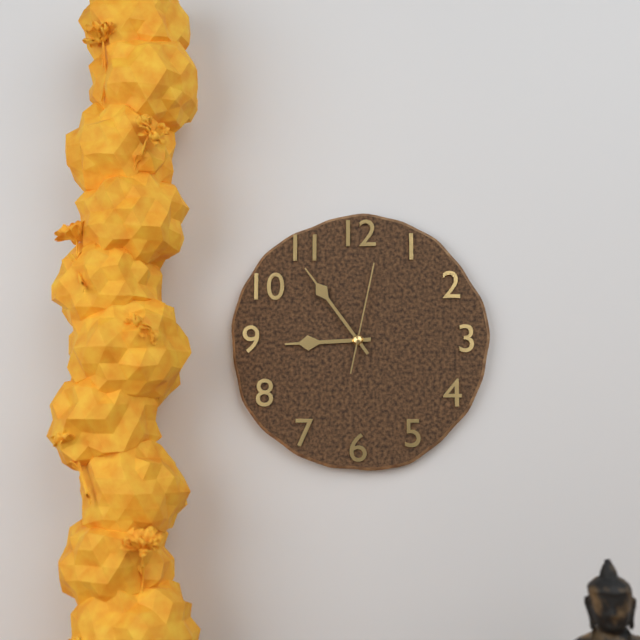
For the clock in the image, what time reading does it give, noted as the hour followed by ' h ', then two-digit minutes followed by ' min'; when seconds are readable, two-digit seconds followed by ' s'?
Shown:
8 h 54 min 02 s
